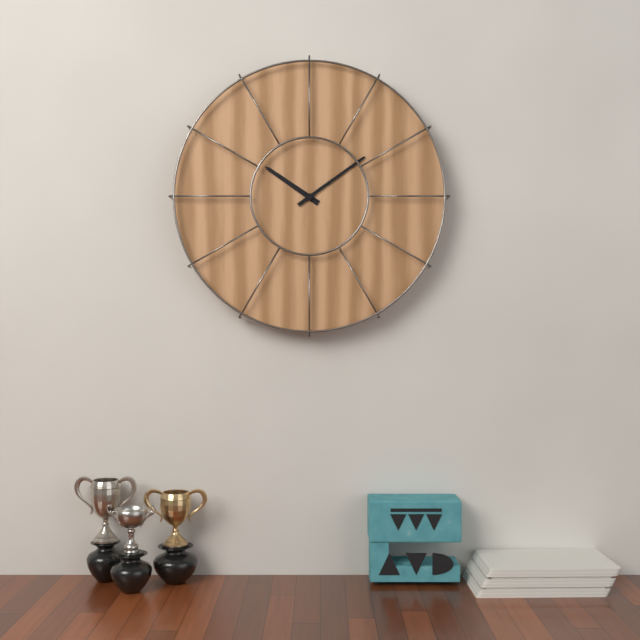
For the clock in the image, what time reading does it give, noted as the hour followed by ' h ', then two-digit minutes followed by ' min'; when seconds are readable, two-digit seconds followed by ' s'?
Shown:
10 h 09 min
